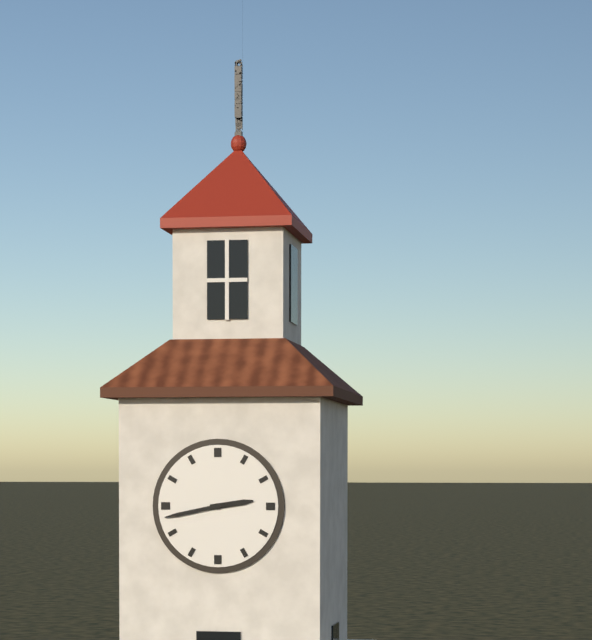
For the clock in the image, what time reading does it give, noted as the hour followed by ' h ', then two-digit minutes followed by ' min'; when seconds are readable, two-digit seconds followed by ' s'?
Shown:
2 h 43 min
